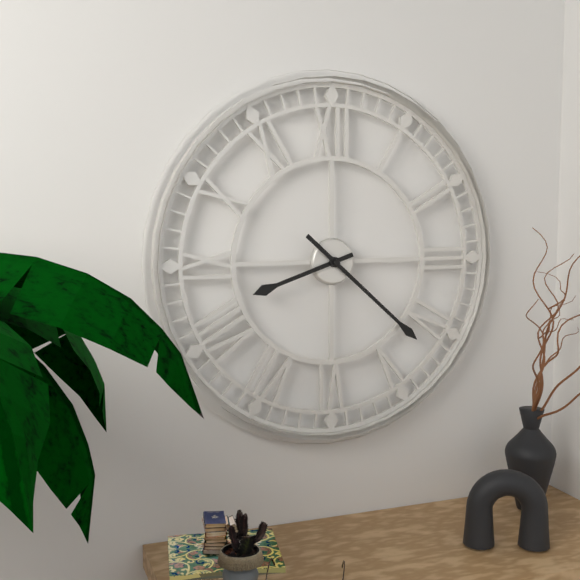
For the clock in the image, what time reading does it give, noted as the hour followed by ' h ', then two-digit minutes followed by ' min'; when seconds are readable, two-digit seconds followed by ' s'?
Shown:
8 h 22 min
